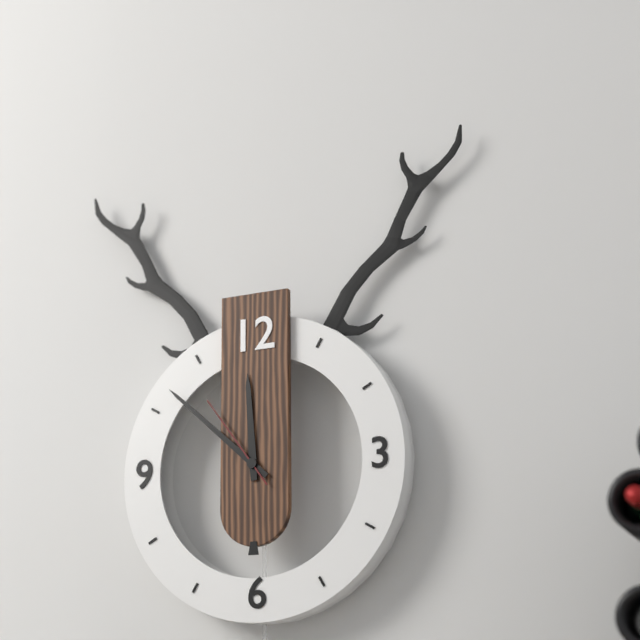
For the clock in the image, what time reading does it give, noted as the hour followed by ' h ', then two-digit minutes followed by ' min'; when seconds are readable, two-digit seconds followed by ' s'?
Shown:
11 h 52 min 54 s
